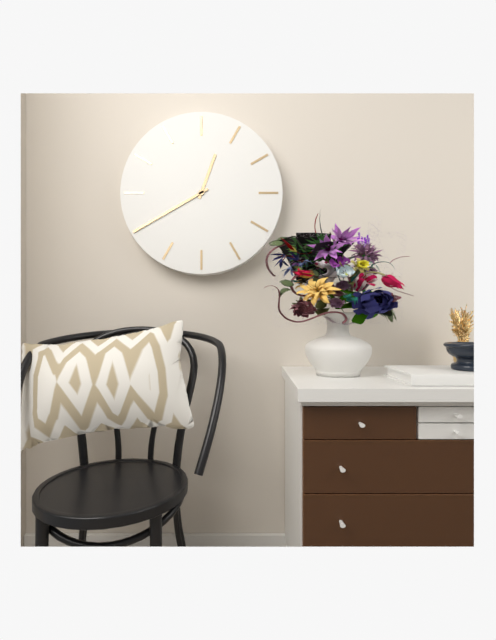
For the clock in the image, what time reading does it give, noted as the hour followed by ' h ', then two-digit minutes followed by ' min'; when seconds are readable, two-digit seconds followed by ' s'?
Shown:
12 h 40 min
